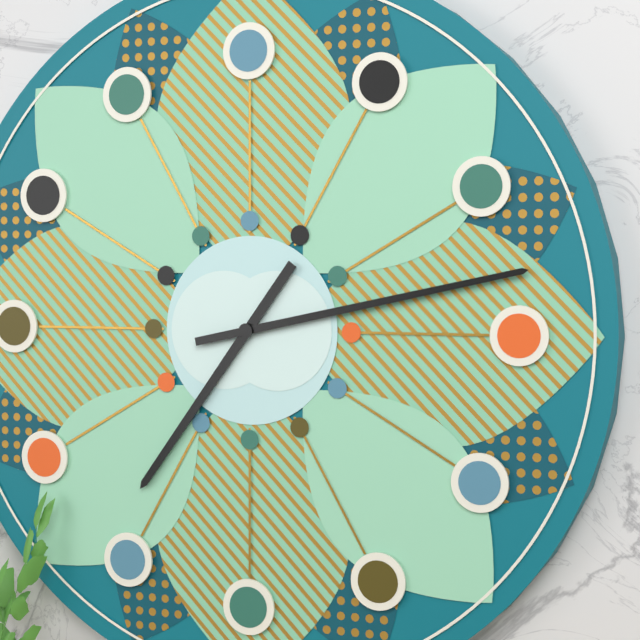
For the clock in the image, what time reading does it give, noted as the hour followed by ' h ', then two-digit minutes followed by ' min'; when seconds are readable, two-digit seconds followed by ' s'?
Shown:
7 h 13 min
